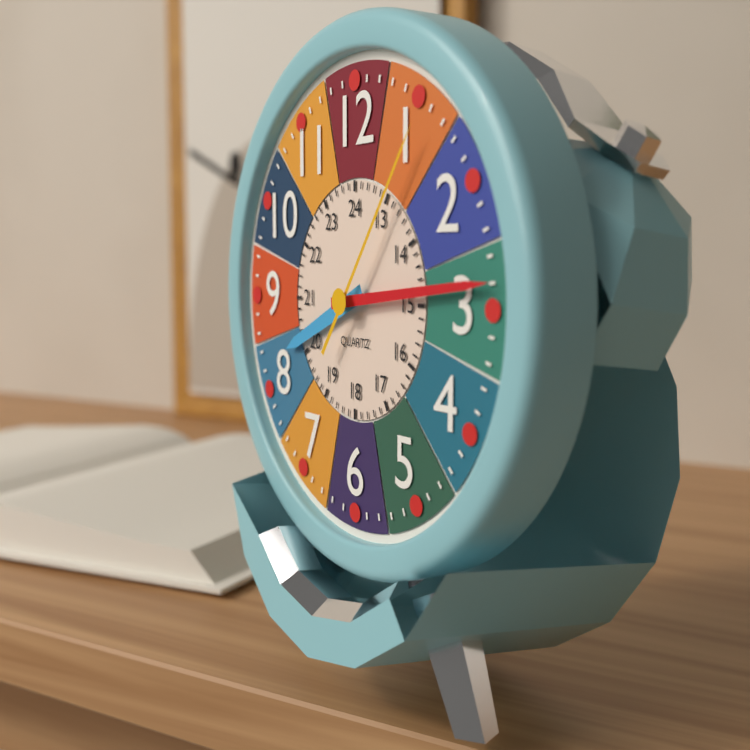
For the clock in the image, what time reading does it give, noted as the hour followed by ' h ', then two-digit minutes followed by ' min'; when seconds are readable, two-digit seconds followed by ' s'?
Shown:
8 h 14 min 06 s
